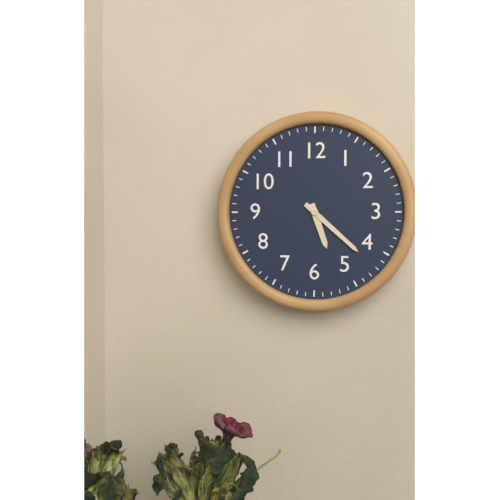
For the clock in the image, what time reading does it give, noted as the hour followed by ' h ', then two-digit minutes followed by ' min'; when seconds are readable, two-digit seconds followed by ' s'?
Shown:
5 h 22 min
